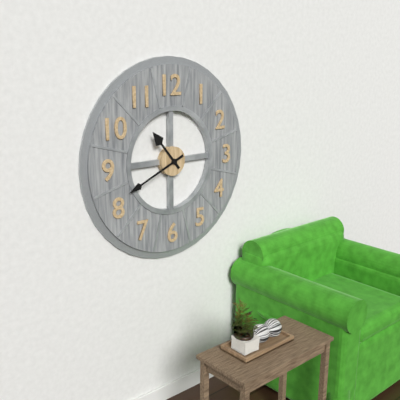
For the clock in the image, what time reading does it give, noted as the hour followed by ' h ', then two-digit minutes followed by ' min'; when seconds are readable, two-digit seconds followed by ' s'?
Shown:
10 h 41 min
